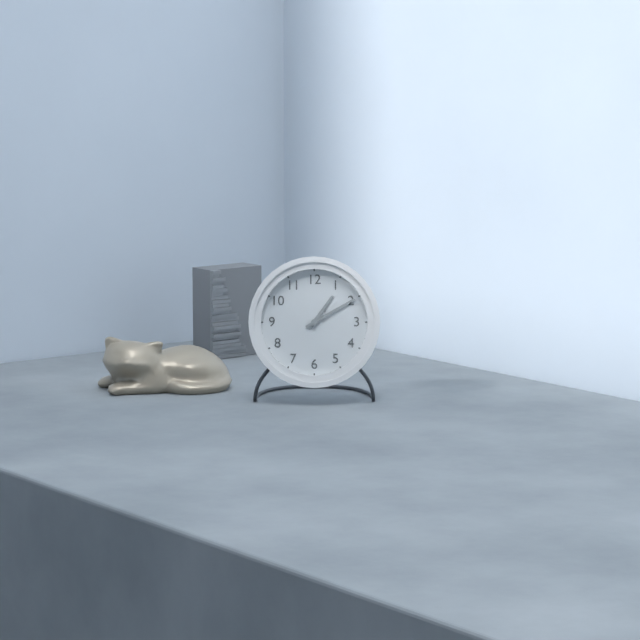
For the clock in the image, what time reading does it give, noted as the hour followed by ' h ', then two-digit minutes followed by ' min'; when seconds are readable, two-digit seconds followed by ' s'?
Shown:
1 h 10 min
